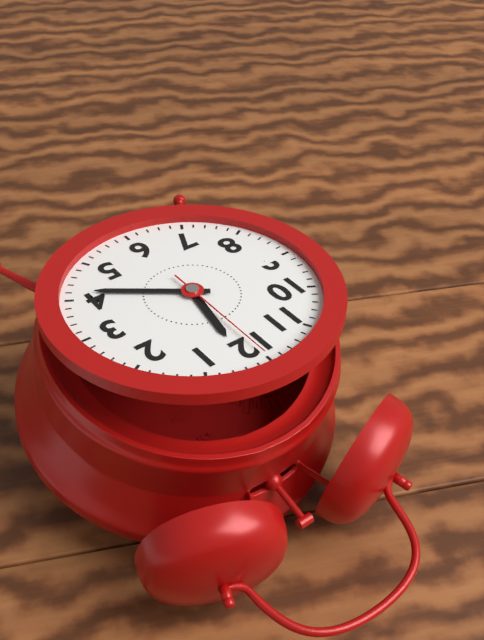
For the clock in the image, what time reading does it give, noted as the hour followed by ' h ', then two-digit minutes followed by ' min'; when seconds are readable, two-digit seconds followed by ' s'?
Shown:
12 h 21 min 00 s
